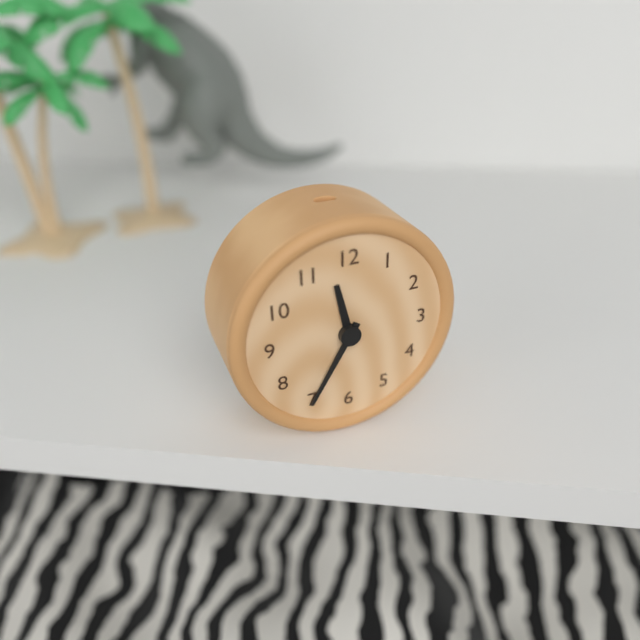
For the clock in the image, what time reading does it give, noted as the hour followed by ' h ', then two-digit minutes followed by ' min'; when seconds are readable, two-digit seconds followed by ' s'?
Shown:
11 h 35 min
